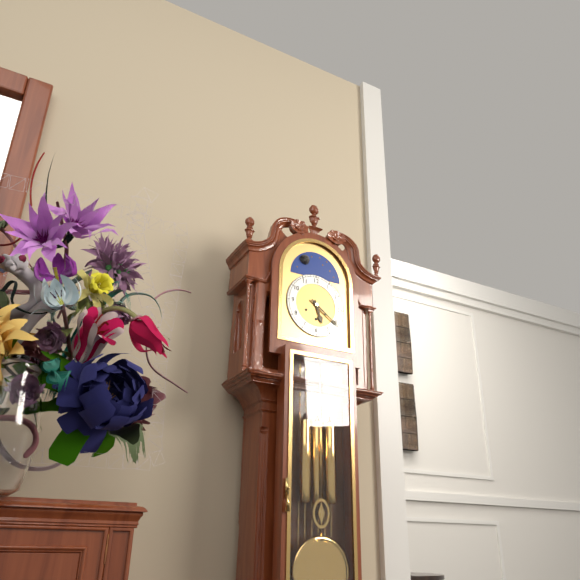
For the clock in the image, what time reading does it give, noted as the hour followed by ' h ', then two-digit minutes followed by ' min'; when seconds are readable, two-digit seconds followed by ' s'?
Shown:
5 h 21 min
